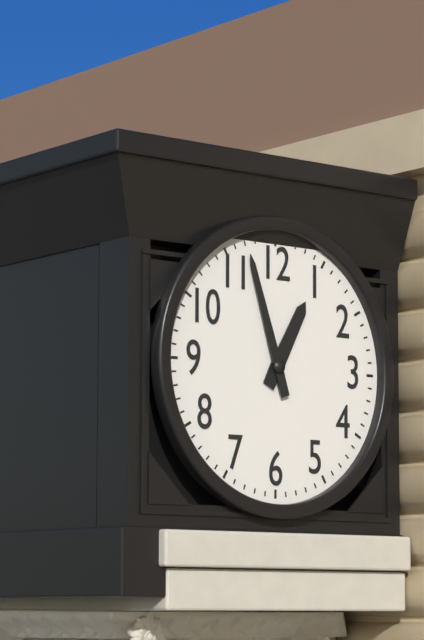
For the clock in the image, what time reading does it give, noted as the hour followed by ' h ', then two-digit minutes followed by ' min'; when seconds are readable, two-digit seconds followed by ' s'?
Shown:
12 h 57 min
